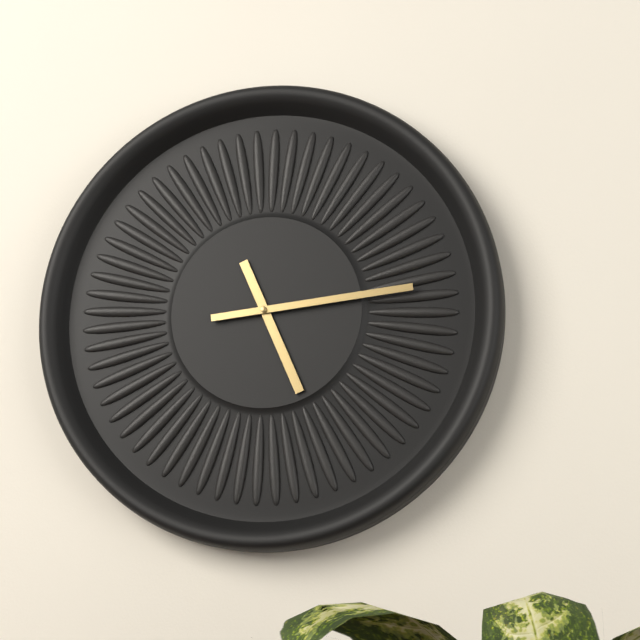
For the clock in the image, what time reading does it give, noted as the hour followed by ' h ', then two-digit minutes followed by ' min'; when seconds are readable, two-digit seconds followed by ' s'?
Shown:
5 h 14 min
